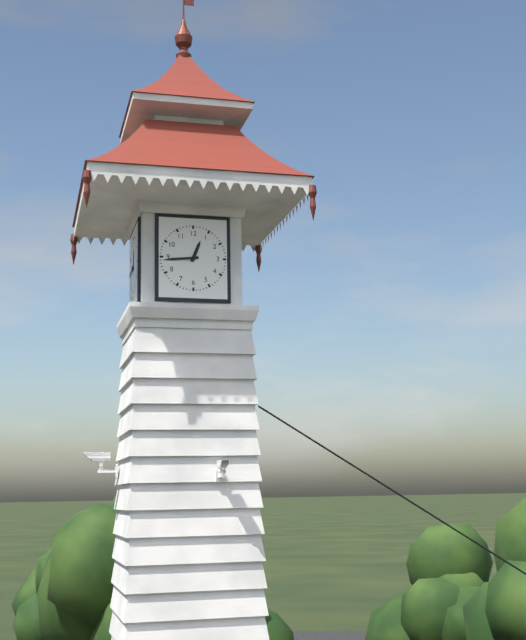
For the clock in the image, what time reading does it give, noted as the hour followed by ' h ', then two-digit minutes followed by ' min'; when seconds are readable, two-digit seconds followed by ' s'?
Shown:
12 h 44 min
